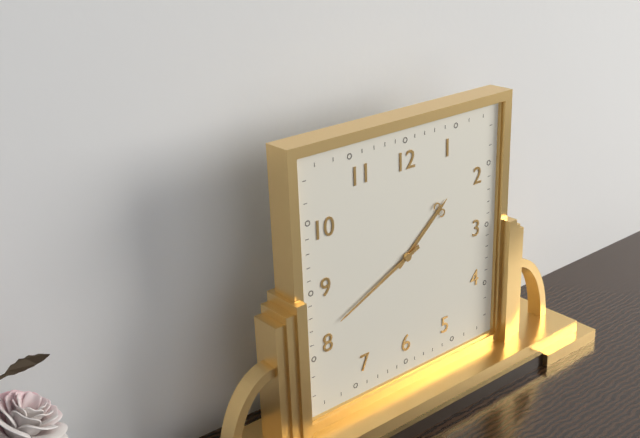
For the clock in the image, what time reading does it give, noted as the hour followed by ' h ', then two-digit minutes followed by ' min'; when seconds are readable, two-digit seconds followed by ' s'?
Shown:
1 h 41 min
